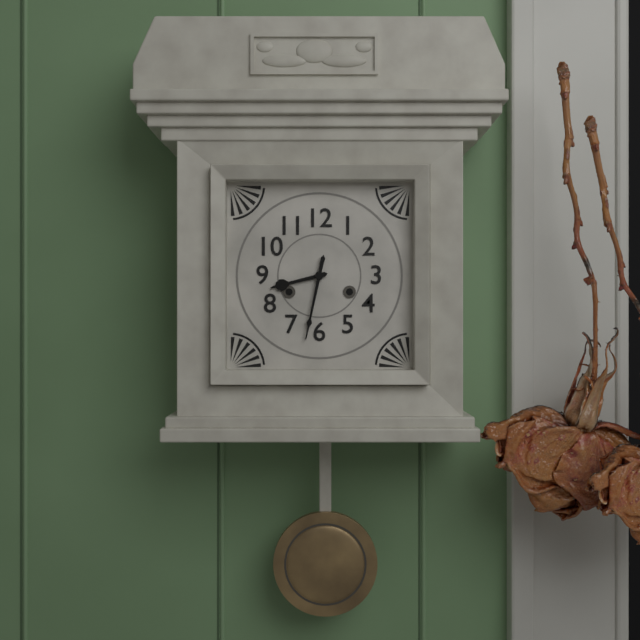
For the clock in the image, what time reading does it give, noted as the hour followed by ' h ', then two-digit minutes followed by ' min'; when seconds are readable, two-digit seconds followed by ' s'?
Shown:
8 h 32 min
